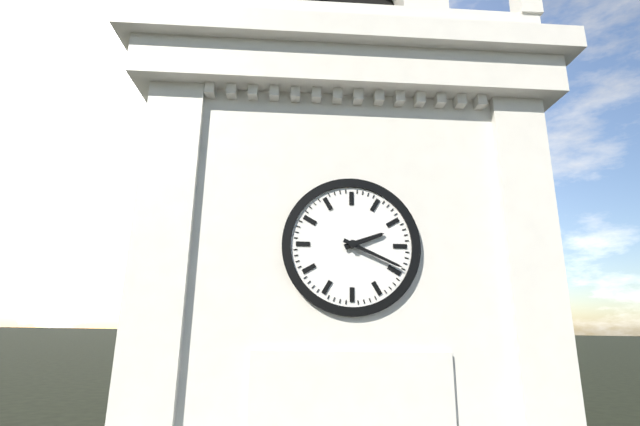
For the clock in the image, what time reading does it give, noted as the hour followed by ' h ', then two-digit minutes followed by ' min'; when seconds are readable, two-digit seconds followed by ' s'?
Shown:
2 h 19 min
